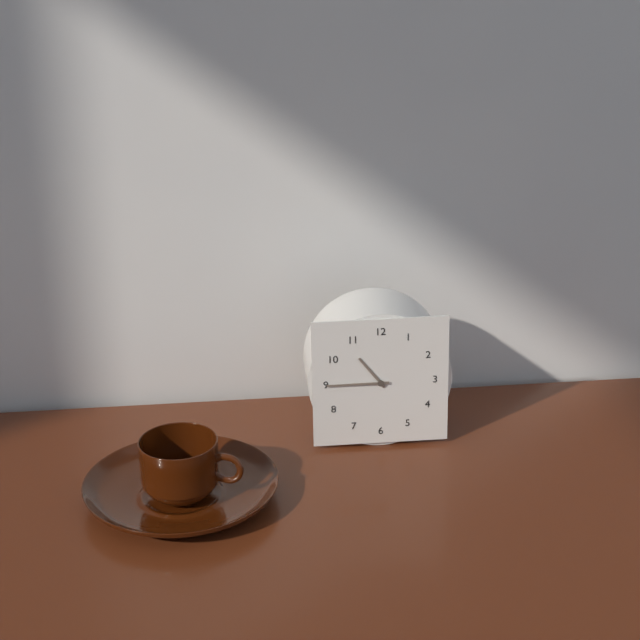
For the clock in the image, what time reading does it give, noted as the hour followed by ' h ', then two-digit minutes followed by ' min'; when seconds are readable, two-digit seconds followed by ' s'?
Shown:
10 h 45 min
